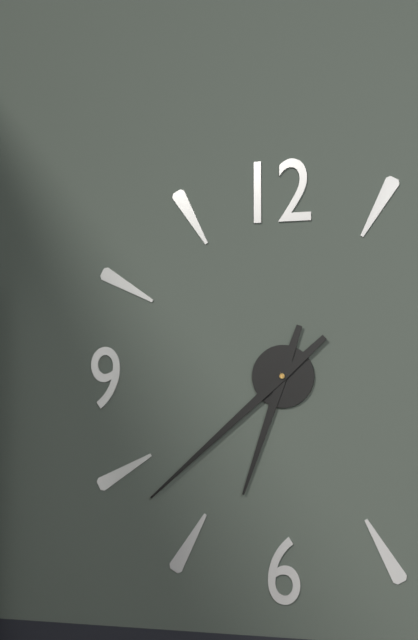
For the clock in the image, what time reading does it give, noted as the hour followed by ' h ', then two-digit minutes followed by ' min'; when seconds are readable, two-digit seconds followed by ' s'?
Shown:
6 h 38 min
